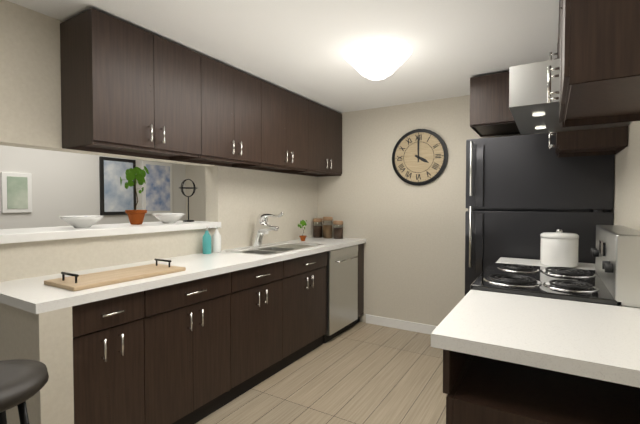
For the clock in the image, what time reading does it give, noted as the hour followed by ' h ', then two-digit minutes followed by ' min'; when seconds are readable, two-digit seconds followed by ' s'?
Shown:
4 h 00 min
